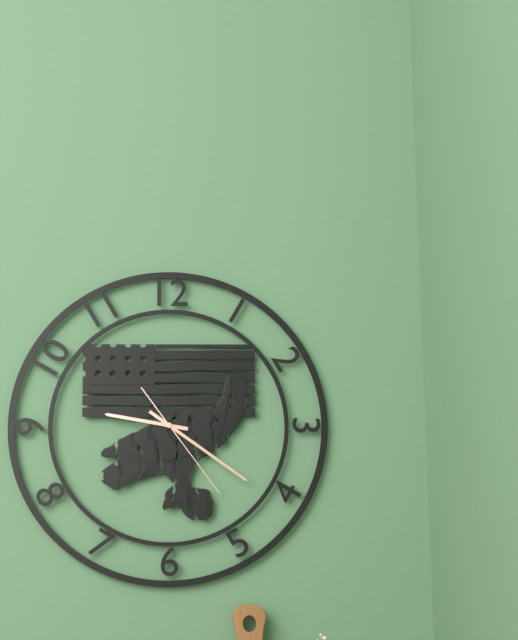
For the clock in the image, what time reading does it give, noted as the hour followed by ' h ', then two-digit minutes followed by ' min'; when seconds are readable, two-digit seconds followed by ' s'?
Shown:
9 h 21 min 24 s
